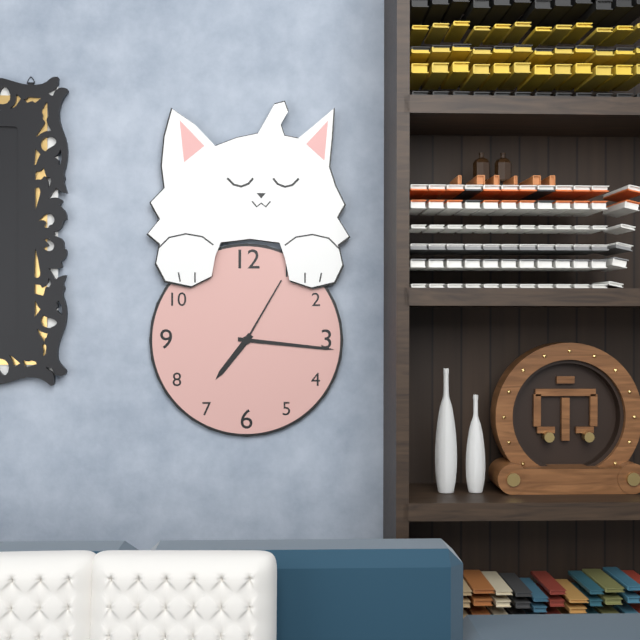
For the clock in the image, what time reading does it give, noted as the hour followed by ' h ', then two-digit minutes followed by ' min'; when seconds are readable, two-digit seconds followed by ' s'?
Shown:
7 h 16 min 05 s
